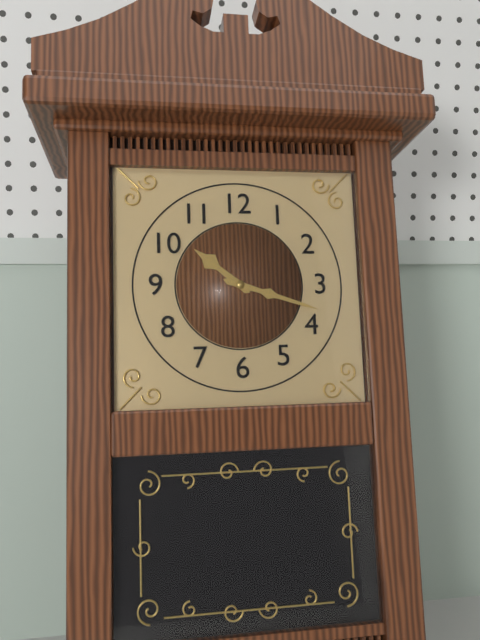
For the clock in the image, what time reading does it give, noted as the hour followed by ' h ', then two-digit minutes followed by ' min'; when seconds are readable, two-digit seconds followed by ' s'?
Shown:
10 h 18 min
